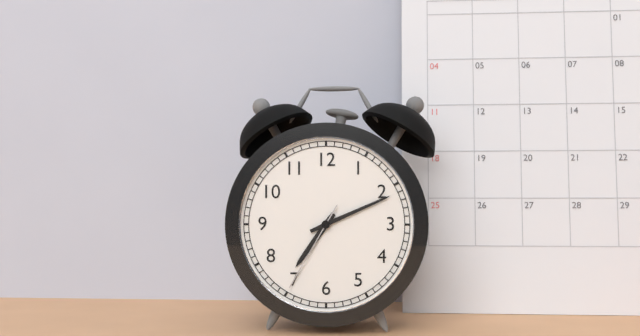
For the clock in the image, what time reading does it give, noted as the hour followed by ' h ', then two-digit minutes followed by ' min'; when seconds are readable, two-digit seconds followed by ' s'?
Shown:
7 h 11 min 35 s
